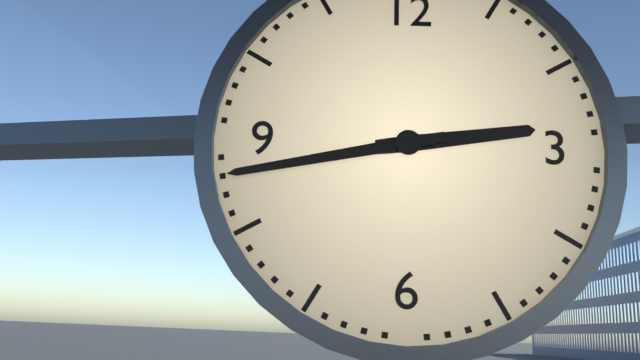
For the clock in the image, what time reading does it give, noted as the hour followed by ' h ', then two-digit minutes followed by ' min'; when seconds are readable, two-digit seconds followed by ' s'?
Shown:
2 h 43 min
